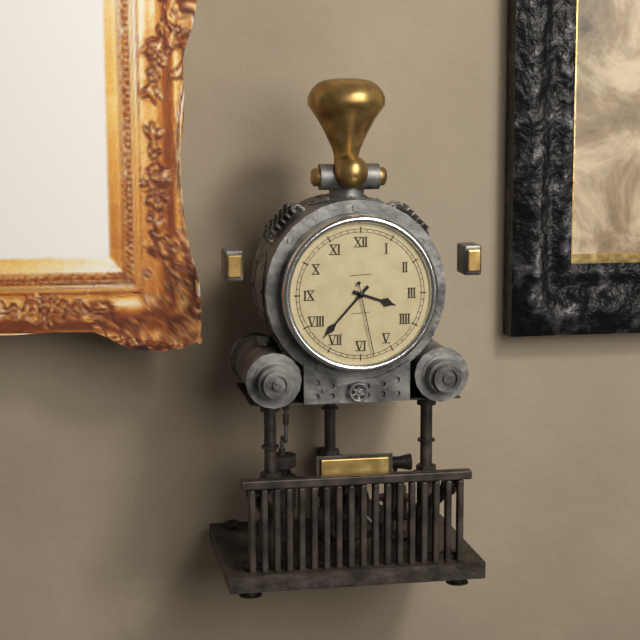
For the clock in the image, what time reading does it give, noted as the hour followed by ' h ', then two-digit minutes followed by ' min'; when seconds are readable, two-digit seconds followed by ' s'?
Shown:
3 h 37 min 28 s
